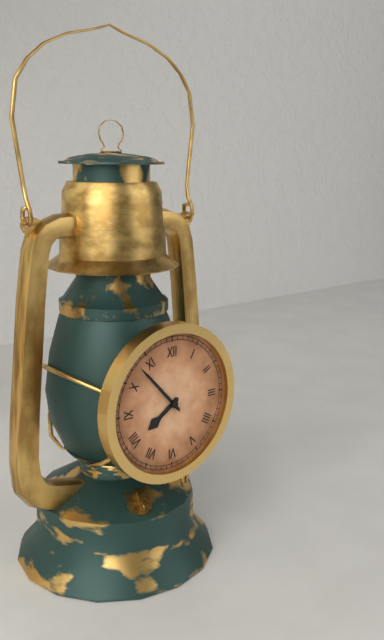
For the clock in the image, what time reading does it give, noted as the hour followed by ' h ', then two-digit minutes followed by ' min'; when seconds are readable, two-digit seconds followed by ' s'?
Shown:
7 h 53 min
